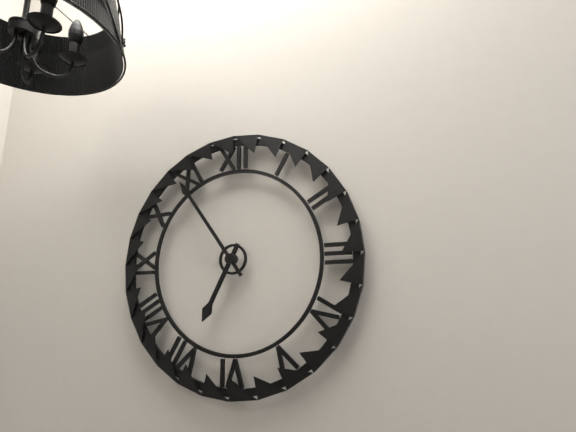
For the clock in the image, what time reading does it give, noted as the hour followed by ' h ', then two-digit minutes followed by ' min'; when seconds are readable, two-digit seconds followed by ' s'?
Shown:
6 h 54 min
